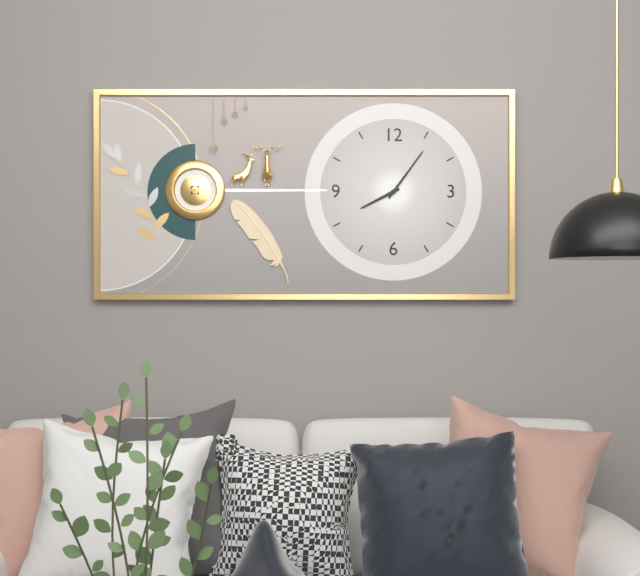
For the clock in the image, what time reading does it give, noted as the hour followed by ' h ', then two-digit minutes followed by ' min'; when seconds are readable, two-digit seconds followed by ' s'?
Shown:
8 h 06 min
